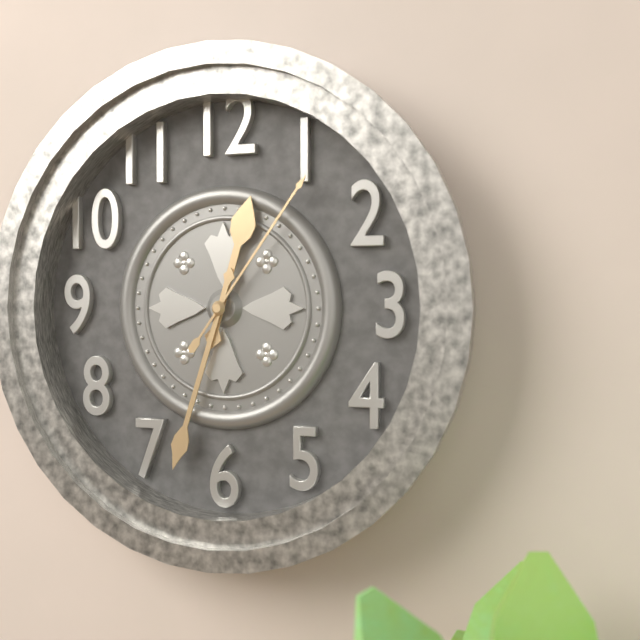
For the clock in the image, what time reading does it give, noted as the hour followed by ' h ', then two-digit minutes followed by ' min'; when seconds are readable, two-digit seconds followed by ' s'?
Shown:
12 h 33 min 06 s
